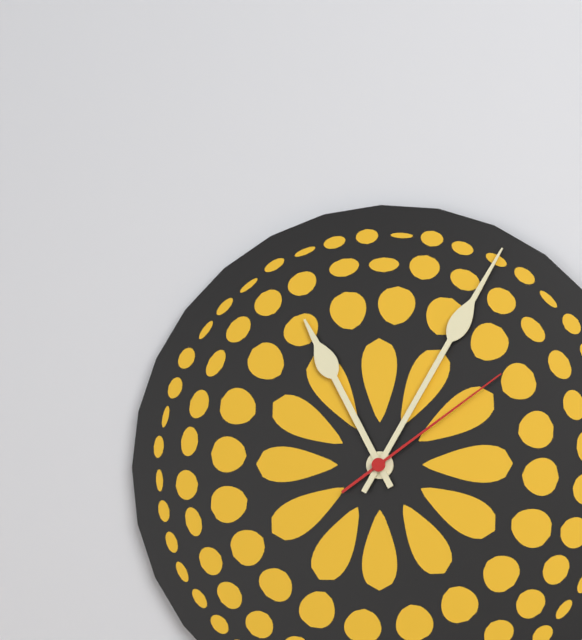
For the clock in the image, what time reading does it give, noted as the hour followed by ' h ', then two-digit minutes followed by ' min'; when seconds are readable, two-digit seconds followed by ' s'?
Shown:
11 h 05 min 09 s
